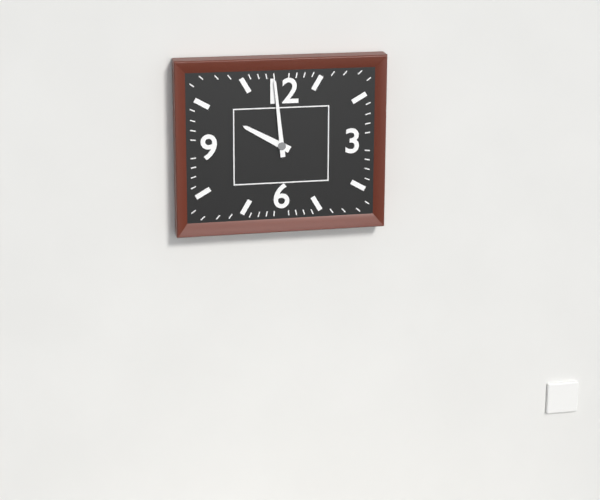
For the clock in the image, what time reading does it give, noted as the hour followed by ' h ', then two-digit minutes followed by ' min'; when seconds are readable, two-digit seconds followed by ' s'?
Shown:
9 h 59 min
